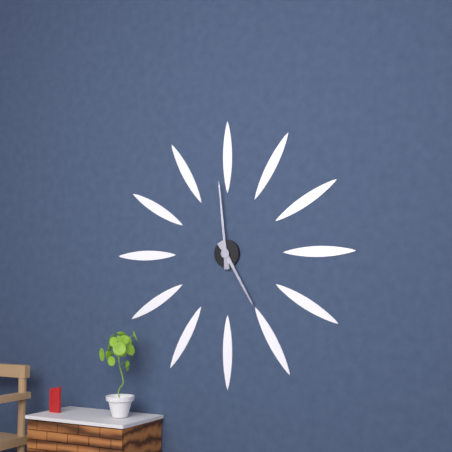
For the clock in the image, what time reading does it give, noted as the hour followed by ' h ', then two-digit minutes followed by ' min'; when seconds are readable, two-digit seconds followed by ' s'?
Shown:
4 h 59 min
